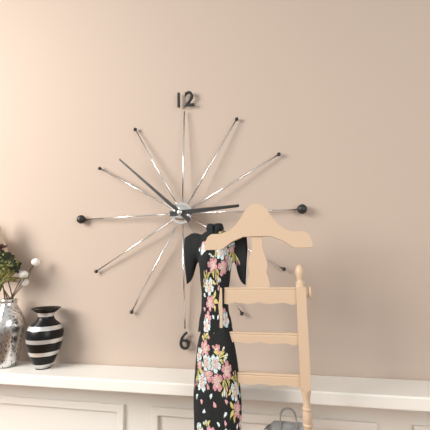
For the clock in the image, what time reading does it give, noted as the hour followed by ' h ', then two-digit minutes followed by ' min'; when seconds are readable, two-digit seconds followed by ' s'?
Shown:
2 h 52 min
